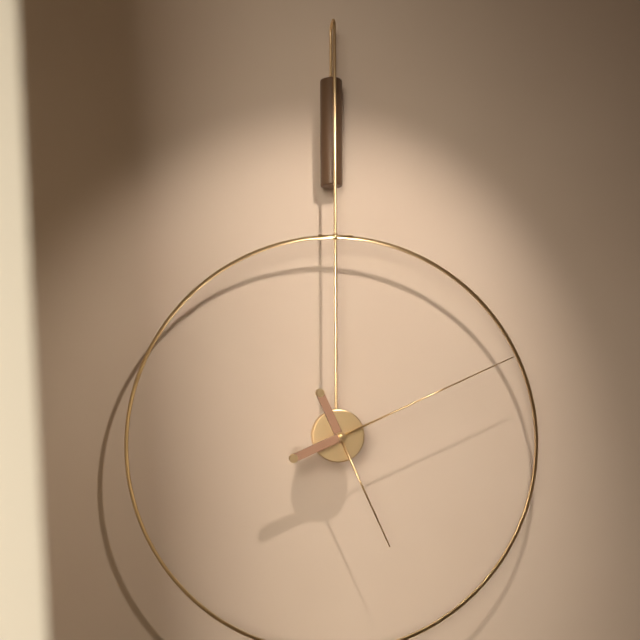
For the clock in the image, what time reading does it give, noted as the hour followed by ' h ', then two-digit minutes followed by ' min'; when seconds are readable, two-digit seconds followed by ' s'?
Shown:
5 h 11 min
